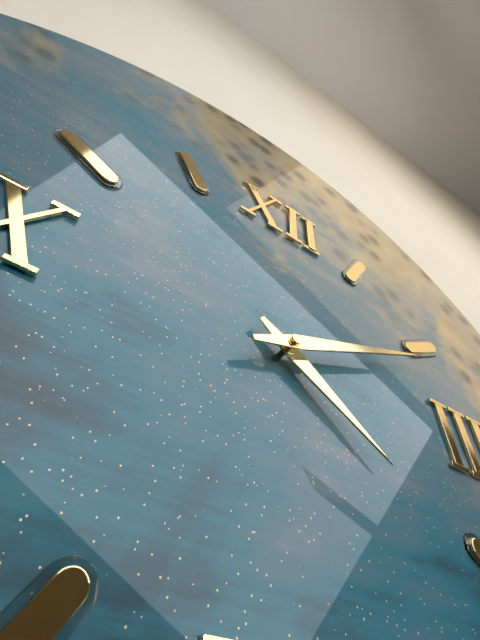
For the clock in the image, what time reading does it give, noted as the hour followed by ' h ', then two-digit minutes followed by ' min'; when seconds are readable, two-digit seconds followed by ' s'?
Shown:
4 h 11 min
